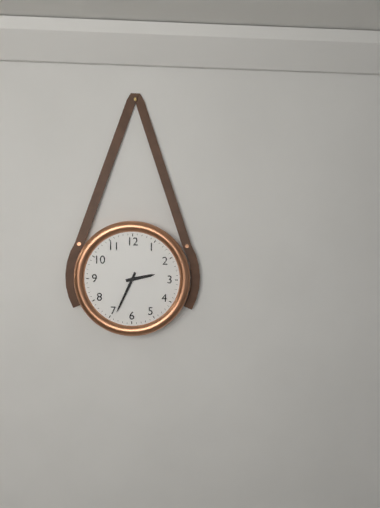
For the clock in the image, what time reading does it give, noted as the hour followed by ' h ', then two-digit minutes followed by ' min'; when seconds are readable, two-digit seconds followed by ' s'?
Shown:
2 h 34 min
